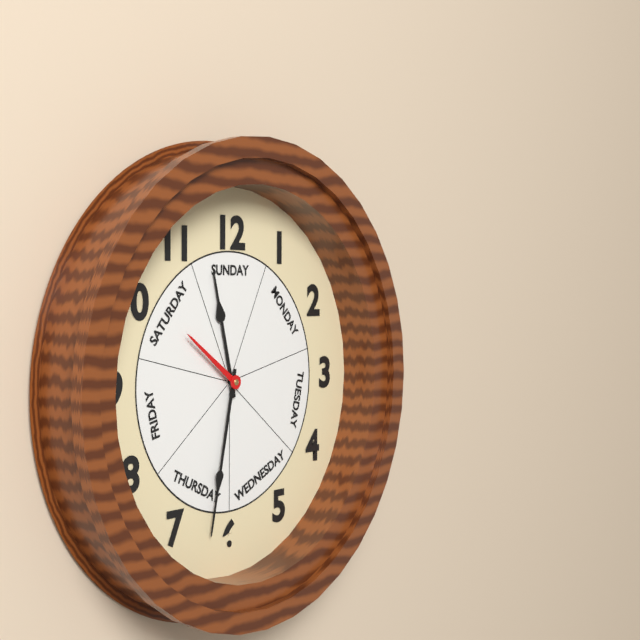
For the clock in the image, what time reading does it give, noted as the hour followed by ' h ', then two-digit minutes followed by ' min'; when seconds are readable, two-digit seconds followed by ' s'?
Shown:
11 h 32 min 51 s
